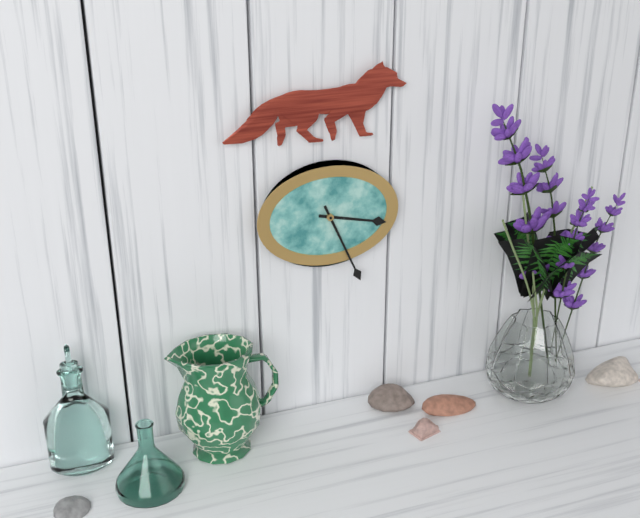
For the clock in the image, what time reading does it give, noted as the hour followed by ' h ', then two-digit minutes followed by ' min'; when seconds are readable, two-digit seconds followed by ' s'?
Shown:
3 h 26 min
